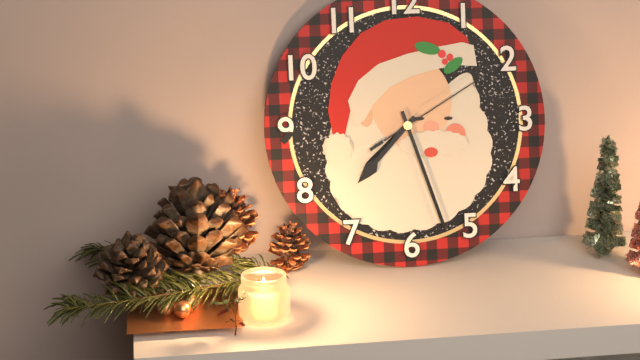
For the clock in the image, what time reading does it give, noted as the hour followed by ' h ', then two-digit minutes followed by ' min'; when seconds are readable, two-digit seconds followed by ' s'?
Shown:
7 h 27 min 10 s
